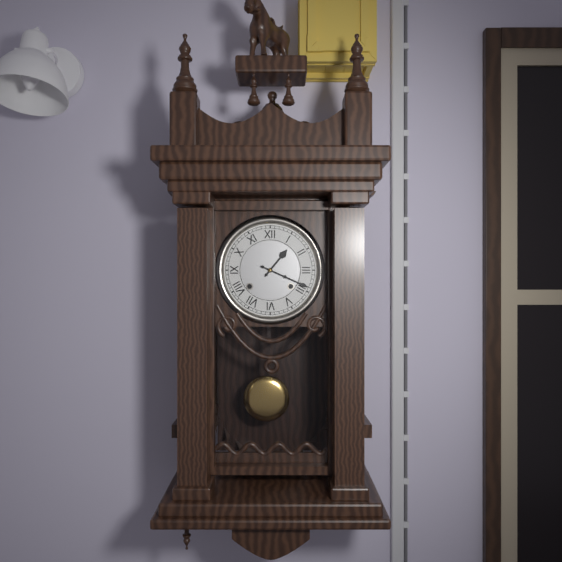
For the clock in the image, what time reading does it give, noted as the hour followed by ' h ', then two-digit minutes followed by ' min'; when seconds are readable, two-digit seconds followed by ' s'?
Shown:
1 h 19 min
